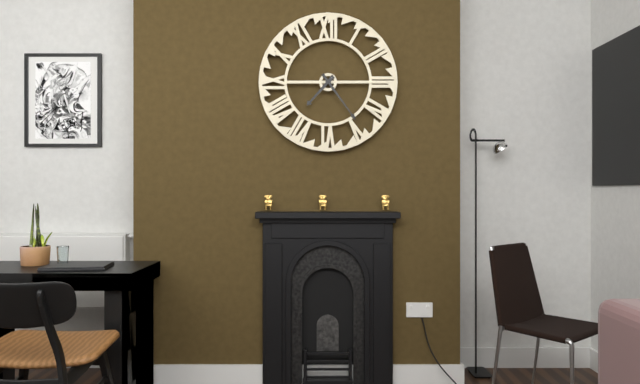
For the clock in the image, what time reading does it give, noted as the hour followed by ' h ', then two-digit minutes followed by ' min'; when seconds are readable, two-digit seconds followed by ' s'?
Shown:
7 h 24 min
